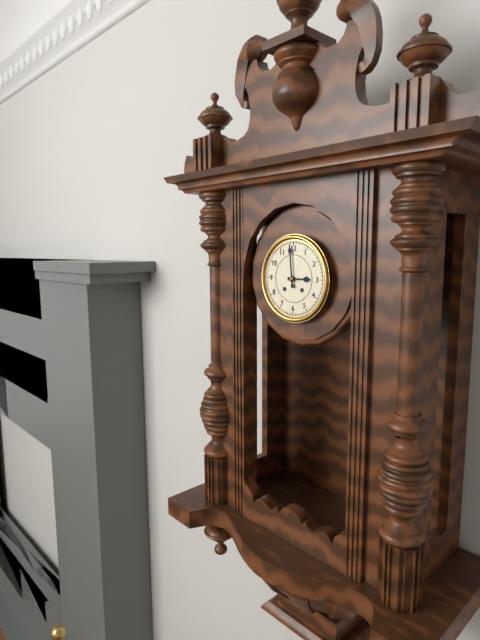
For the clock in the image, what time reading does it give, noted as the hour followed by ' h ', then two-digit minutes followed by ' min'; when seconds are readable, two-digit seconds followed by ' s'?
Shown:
2 h 59 min
